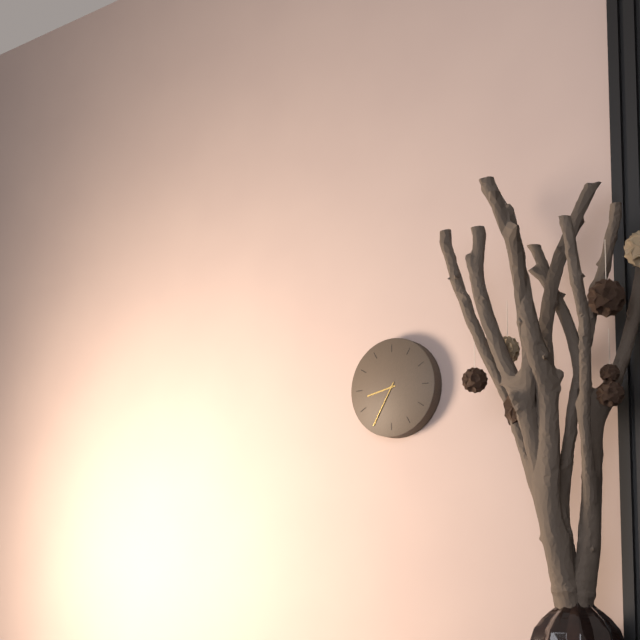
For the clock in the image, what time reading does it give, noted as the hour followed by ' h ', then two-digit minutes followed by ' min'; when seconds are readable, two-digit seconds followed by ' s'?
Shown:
8 h 35 min
